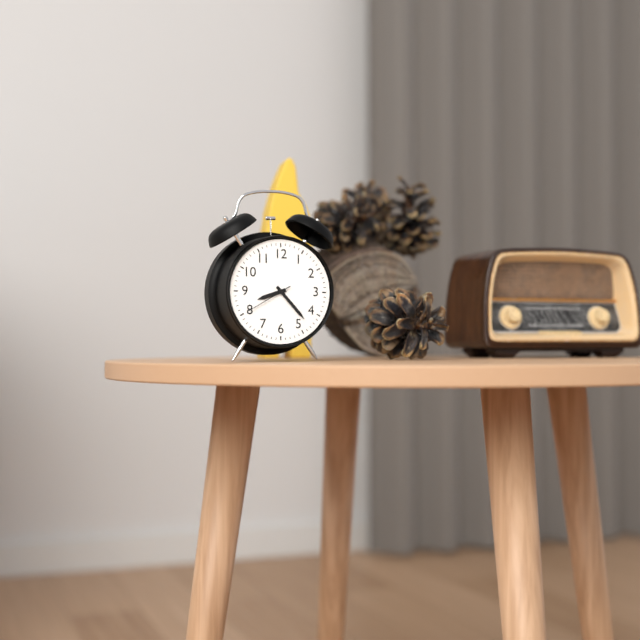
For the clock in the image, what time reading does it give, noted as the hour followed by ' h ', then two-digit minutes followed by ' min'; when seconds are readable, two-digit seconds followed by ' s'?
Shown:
8 h 23 min 40 s
